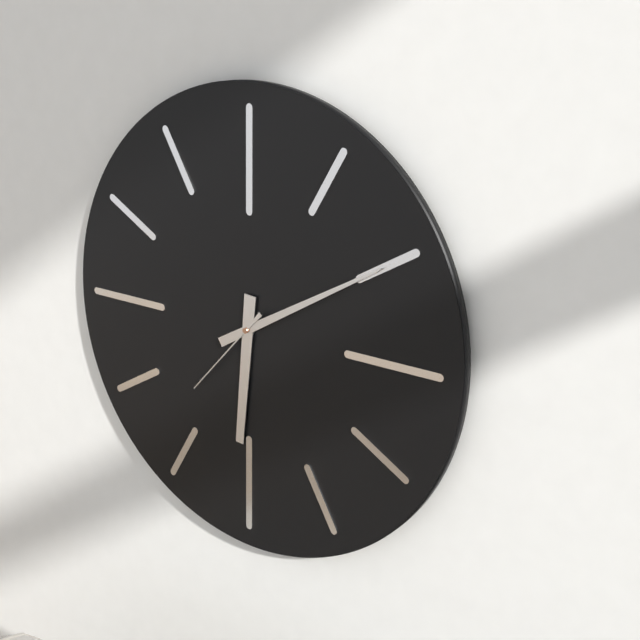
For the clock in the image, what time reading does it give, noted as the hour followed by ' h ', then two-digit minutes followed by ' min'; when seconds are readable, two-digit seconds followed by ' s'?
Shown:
6 h 10 min 37 s
